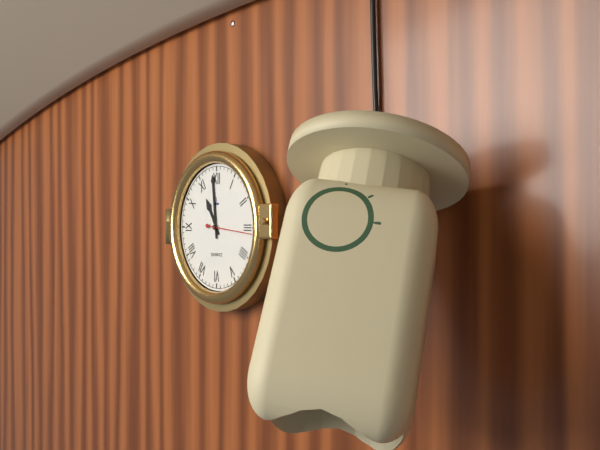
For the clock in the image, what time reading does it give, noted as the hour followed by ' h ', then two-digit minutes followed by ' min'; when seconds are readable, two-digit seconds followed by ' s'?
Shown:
10 h 59 min
